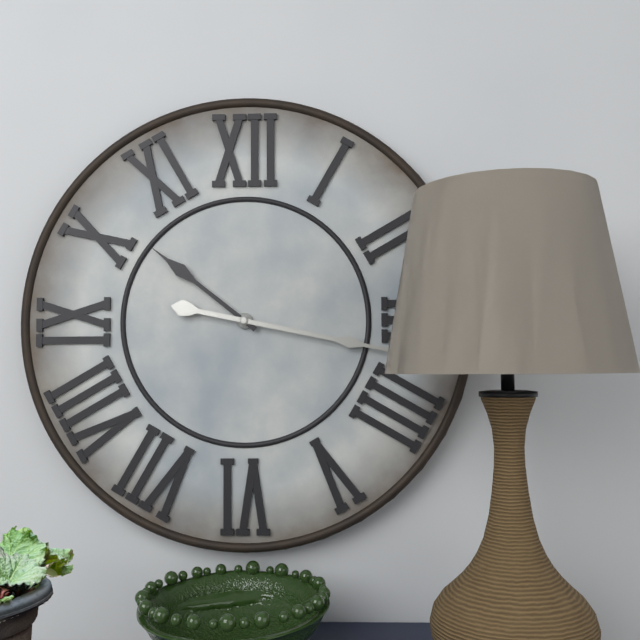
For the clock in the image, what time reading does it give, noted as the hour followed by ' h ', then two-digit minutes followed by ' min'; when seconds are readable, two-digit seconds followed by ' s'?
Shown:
10 h 17 min
